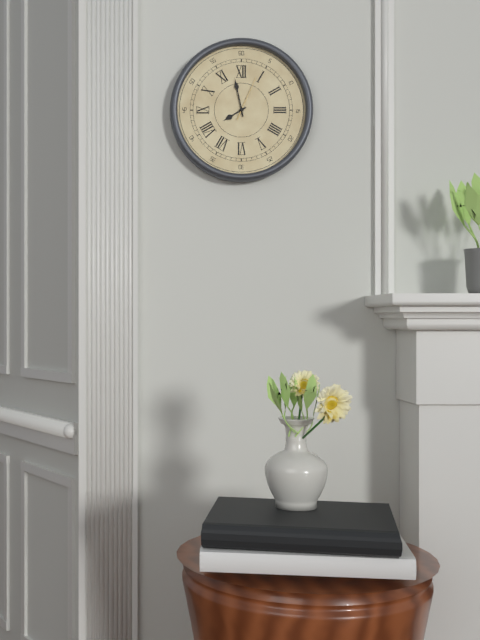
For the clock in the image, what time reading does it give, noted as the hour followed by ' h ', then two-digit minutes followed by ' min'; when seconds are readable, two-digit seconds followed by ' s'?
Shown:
7 h 58 min
